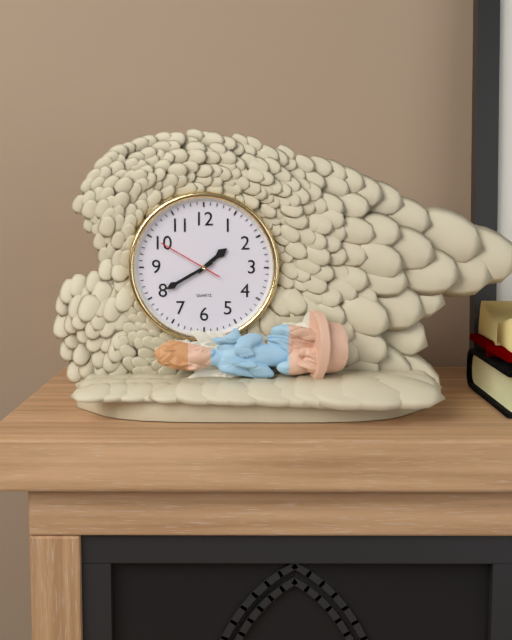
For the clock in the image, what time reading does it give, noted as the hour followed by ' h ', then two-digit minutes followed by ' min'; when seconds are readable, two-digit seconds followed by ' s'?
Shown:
1 h 40 min 50 s
